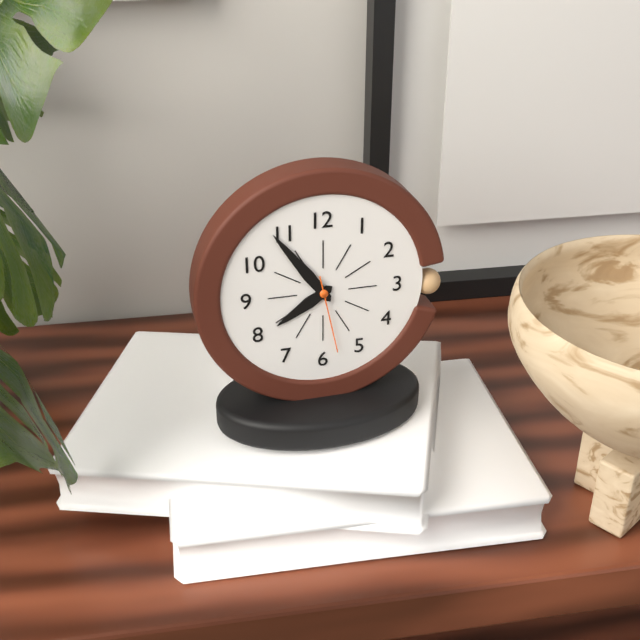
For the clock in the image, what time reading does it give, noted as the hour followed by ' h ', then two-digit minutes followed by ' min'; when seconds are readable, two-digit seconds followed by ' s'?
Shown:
7 h 54 min 28 s
